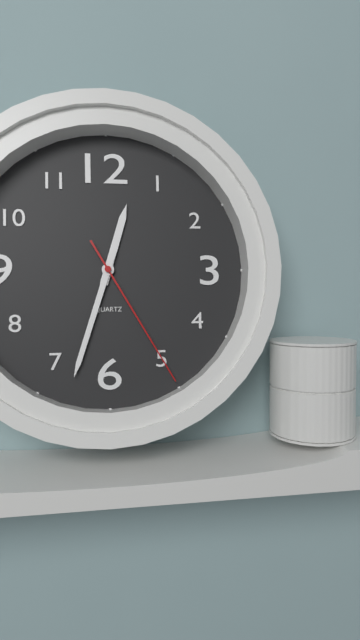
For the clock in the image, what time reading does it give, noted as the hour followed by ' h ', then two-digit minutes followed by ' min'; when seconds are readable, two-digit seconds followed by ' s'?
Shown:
12 h 33 min 25 s
